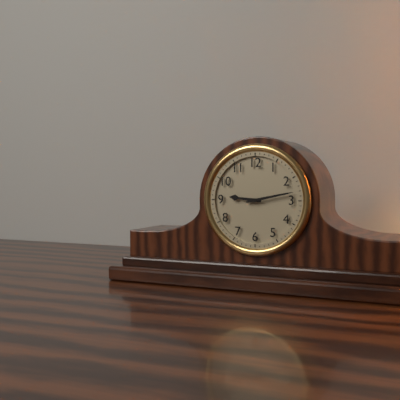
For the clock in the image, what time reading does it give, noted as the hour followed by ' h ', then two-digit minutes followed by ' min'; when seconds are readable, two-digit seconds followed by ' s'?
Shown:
9 h 13 min
